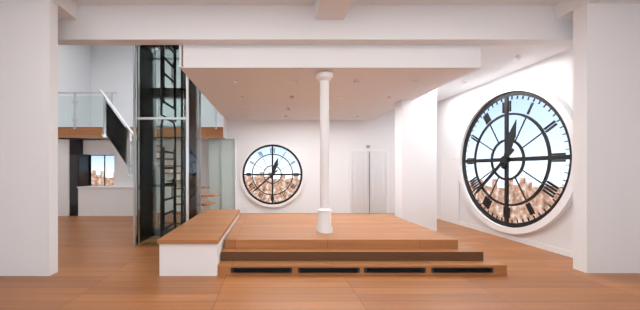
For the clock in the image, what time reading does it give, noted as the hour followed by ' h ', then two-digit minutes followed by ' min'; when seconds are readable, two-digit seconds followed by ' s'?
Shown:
12 h 38 min
